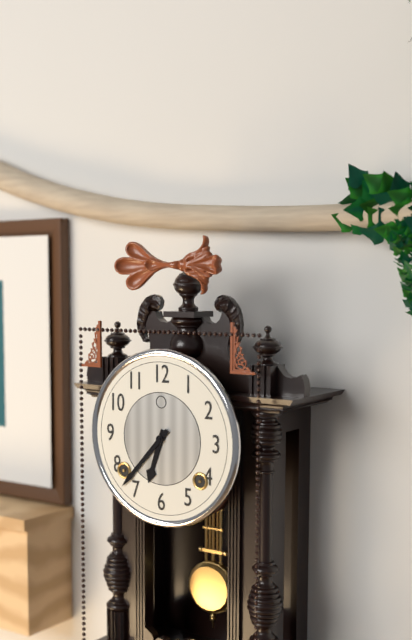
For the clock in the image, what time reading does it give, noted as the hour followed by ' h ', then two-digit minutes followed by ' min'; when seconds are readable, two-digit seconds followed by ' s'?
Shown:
6 h 37 min
